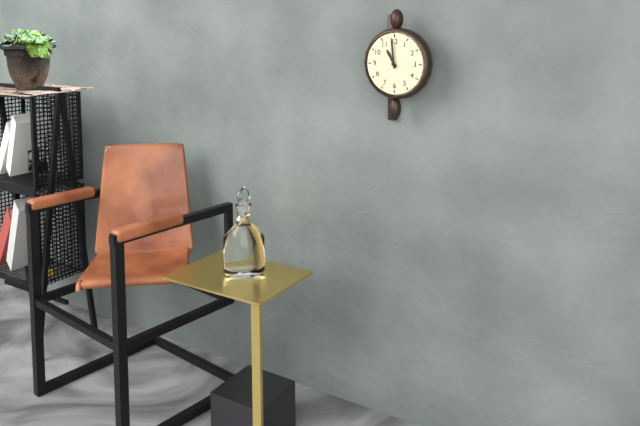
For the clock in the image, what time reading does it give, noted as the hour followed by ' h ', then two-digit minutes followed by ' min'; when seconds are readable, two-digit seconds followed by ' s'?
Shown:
10 h 59 min
